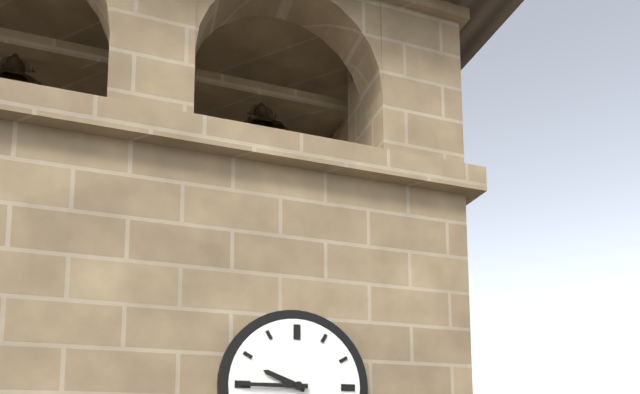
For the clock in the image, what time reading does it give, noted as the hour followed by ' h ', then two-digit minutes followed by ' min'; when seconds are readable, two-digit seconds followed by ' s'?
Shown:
9 h 45 min
